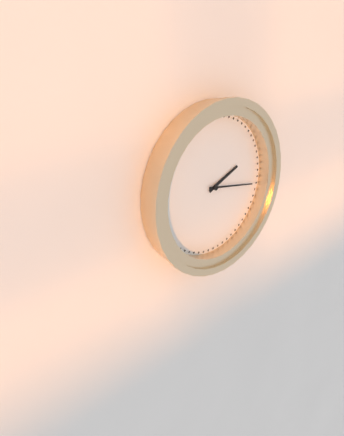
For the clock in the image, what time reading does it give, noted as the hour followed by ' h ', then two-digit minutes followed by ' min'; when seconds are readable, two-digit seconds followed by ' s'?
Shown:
2 h 17 min
